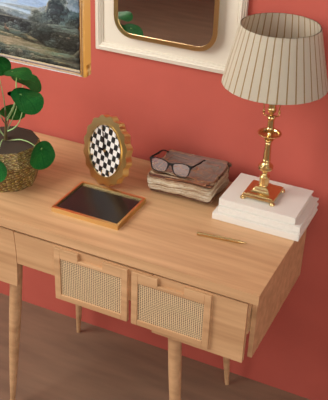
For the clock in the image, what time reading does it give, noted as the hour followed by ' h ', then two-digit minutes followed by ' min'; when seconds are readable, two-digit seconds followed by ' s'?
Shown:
8 h 56 min
